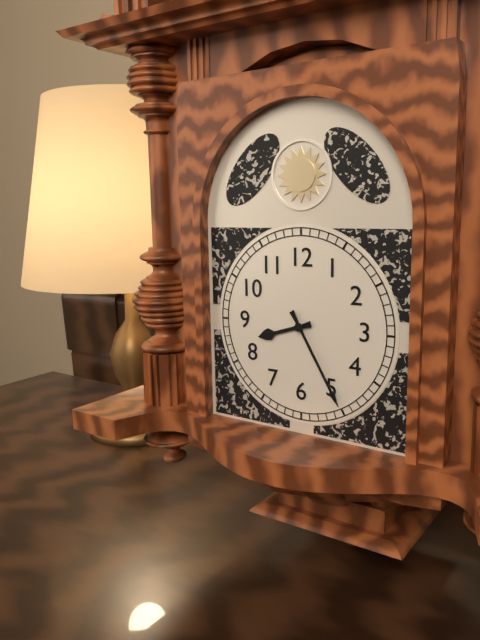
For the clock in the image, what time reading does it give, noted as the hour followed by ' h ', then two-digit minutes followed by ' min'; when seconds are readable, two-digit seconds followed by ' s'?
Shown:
8 h 25 min
